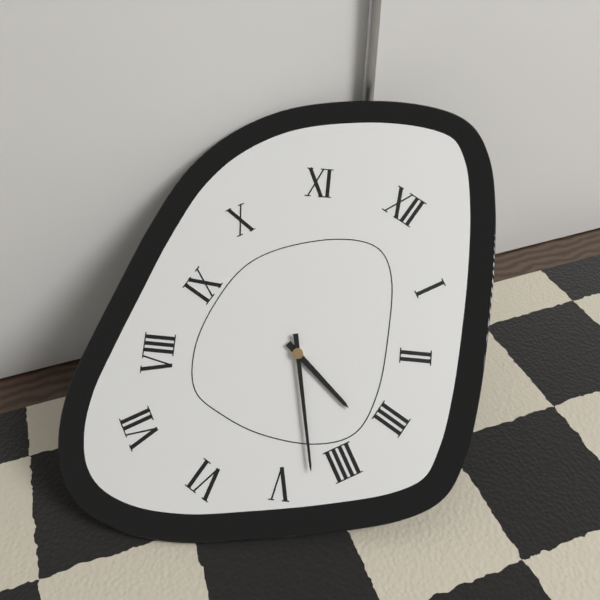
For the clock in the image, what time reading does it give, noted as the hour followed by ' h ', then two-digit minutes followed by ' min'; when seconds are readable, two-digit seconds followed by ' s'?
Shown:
3 h 23 min
